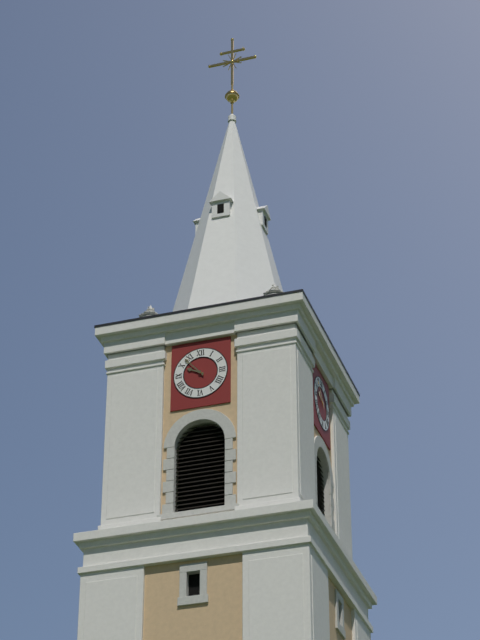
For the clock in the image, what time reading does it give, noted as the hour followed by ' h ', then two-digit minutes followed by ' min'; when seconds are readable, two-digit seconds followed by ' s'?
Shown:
9 h 53 min
